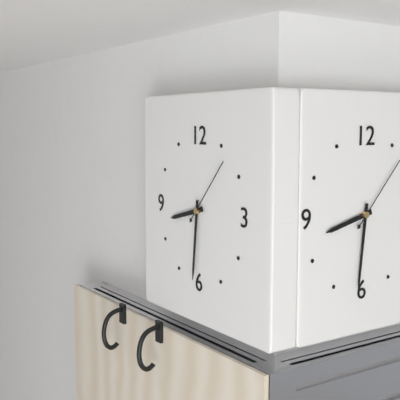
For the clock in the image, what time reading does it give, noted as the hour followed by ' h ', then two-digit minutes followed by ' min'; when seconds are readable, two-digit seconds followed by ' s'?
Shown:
8 h 31 min 07 s
